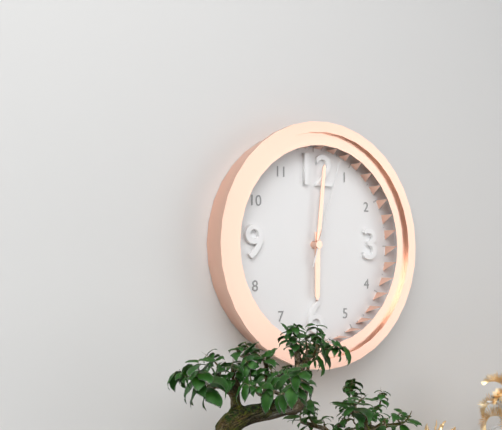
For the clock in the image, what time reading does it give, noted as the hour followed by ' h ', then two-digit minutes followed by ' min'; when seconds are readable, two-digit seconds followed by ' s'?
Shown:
6 h 01 min 03 s
